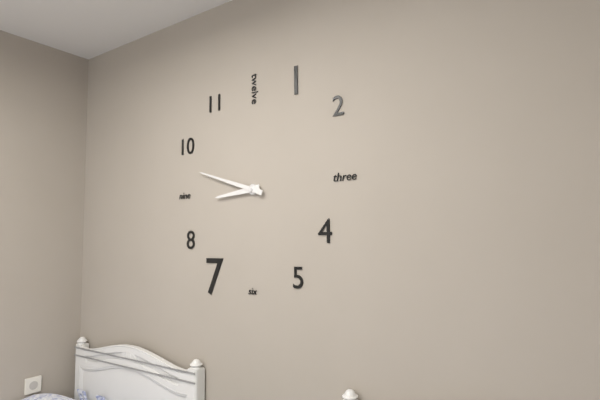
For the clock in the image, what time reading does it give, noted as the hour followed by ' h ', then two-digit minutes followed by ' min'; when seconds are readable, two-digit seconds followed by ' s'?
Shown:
8 h 48 min
